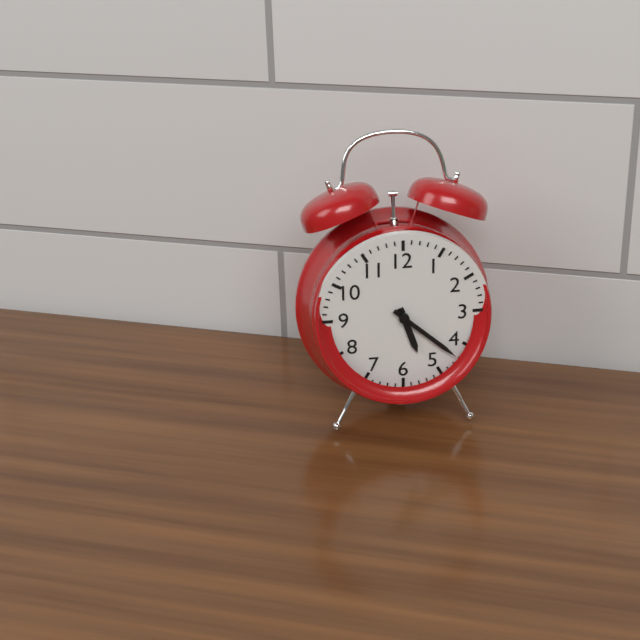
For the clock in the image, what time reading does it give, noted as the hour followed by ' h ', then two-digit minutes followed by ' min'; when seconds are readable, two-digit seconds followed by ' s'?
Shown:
5 h 22 min
